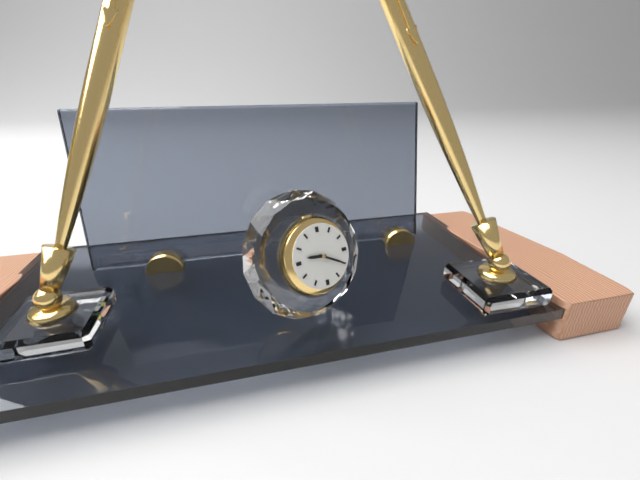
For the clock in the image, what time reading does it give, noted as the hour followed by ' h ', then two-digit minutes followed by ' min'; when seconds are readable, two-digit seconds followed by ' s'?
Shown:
9 h 20 min
